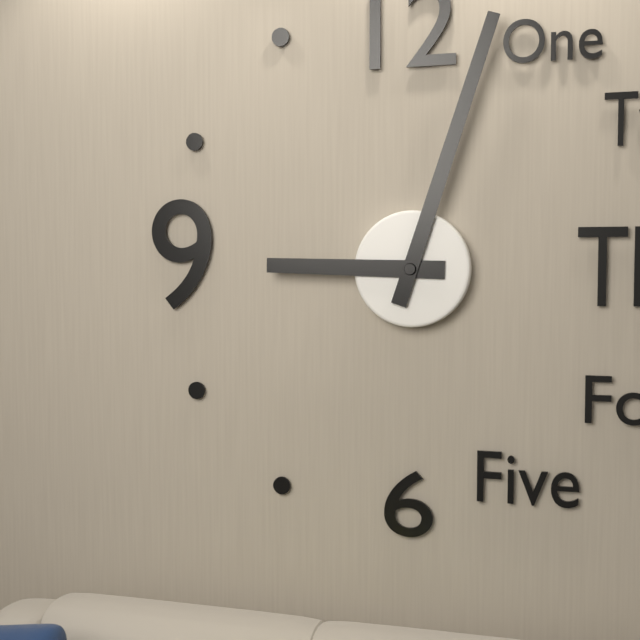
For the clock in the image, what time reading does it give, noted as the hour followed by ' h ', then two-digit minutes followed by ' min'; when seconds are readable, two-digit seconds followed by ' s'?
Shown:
9 h 03 min
